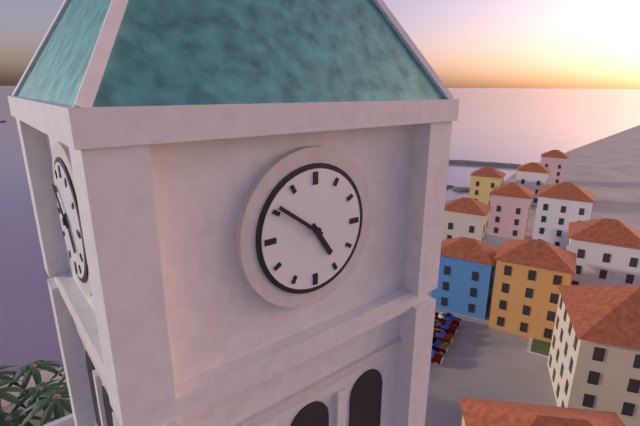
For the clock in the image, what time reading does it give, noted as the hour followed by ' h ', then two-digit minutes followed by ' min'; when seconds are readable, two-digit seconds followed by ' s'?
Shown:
4 h 51 min
